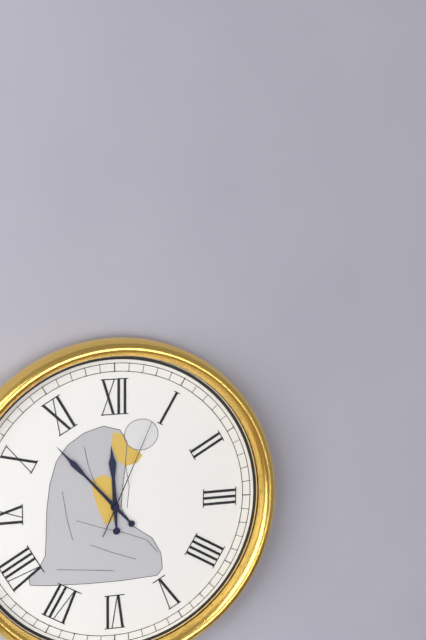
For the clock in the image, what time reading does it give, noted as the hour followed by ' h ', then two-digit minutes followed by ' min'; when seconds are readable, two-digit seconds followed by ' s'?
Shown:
11 h 53 min 04 s
